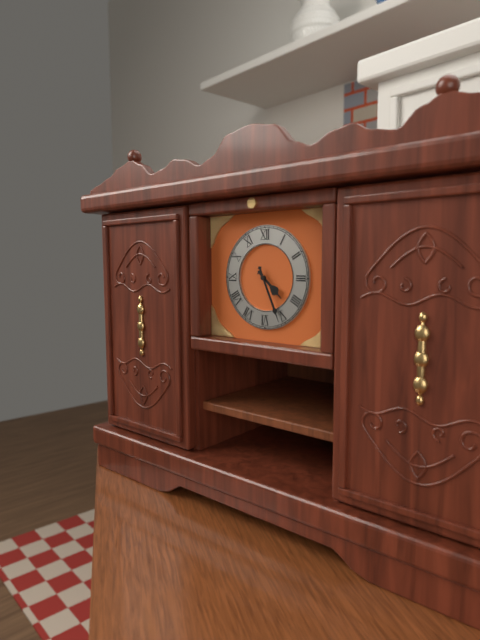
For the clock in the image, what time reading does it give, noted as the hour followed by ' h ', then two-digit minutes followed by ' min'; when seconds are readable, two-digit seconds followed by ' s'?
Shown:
4 h 26 min
